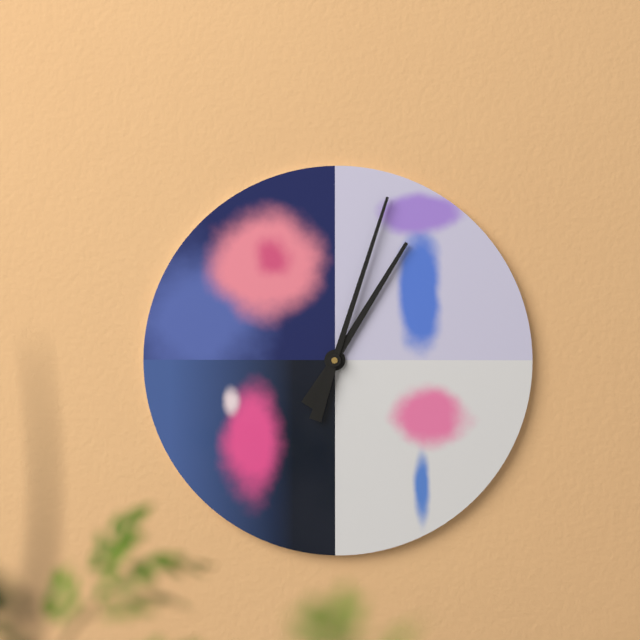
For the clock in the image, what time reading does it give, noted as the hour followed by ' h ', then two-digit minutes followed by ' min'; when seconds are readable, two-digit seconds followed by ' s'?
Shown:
1 h 03 min
